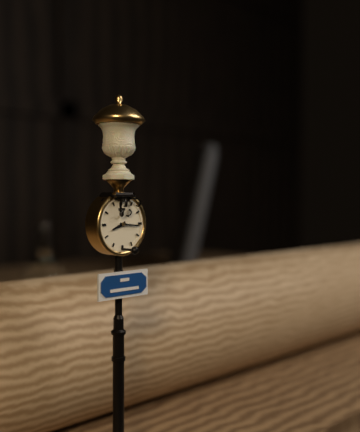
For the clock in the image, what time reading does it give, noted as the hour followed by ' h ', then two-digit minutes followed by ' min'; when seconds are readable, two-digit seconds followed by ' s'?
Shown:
8 h 16 min
